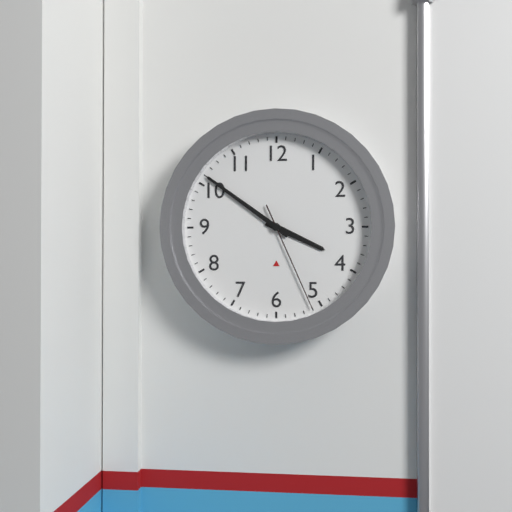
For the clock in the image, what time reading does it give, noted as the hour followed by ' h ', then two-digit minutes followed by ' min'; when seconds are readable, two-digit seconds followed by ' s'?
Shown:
3 h 51 min 26 s
